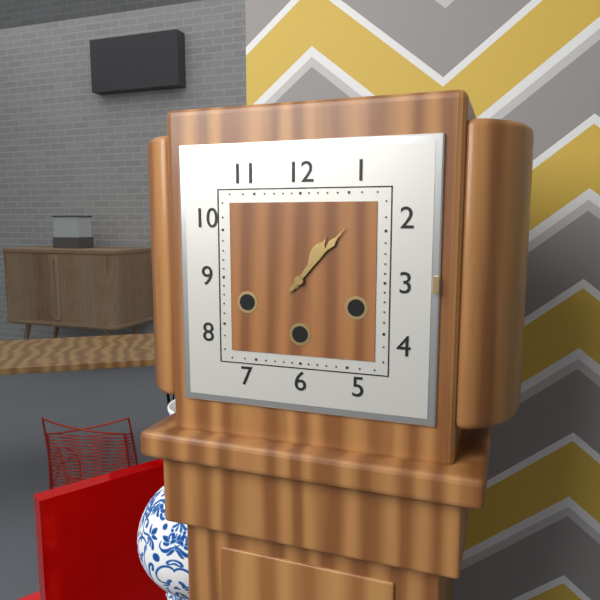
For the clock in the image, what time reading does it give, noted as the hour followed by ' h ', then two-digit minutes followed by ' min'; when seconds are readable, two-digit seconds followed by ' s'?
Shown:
1 h 07 min
